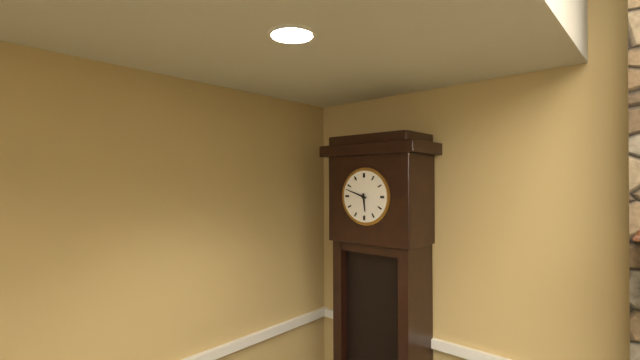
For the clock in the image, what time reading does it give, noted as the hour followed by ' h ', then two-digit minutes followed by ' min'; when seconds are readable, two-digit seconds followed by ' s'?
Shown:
5 h 48 min
